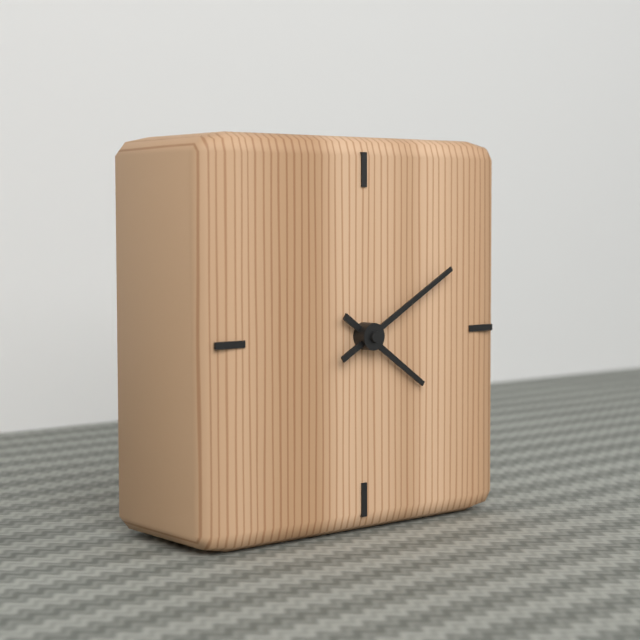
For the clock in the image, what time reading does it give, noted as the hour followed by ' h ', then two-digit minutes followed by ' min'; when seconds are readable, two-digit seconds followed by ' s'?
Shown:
4 h 10 min
